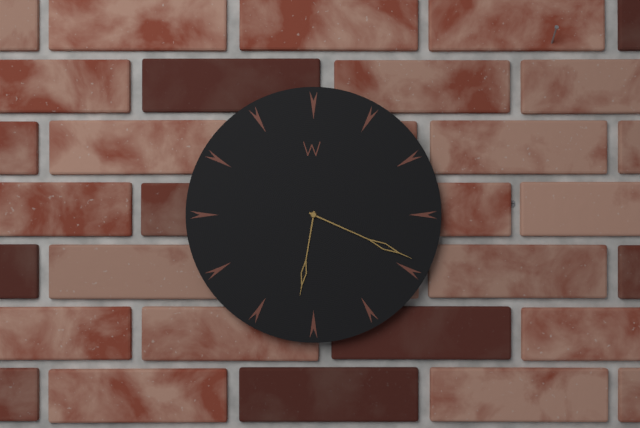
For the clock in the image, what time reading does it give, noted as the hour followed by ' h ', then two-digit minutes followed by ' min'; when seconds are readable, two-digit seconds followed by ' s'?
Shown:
6 h 19 min
